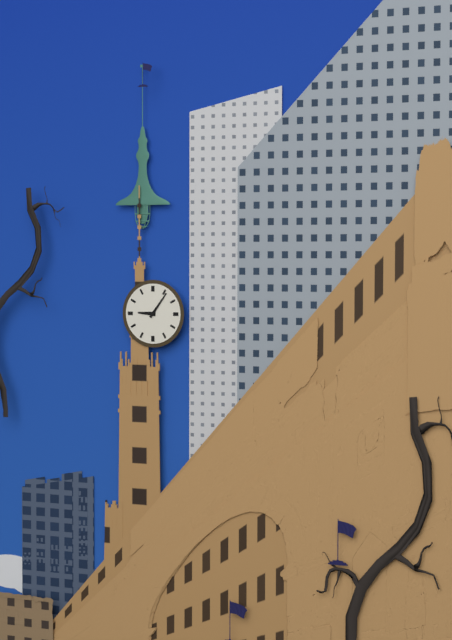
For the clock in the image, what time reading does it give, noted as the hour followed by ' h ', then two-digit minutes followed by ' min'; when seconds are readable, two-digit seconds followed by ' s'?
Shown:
9 h 06 min
